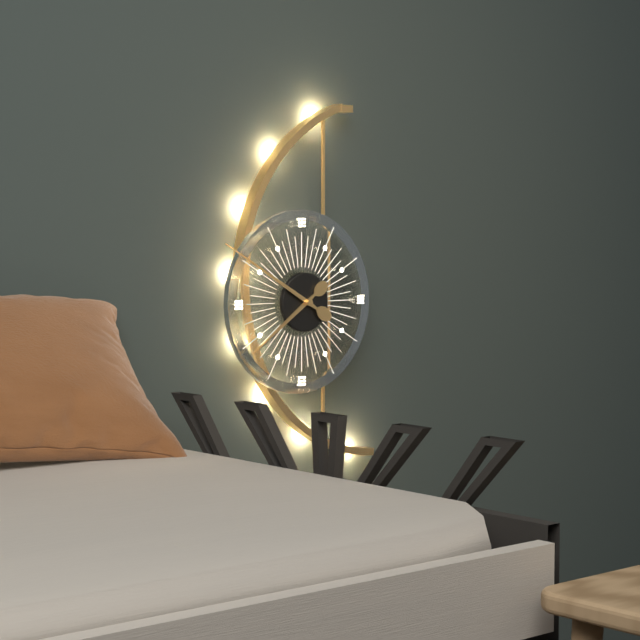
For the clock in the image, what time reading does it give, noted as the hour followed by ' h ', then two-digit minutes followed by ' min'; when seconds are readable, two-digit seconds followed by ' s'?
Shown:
7 h 50 min
